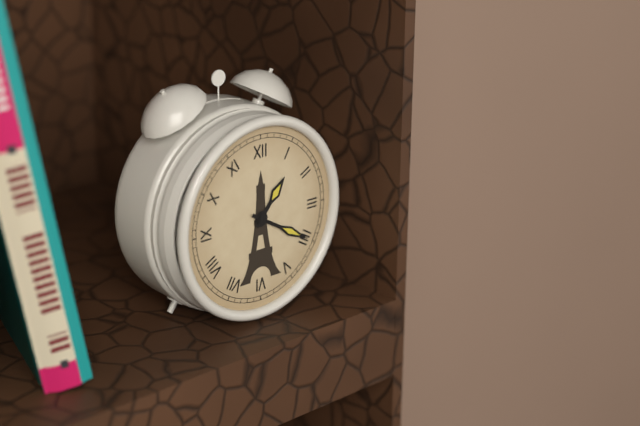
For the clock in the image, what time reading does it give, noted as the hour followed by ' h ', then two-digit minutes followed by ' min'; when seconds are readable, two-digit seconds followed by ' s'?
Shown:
1 h 20 min
